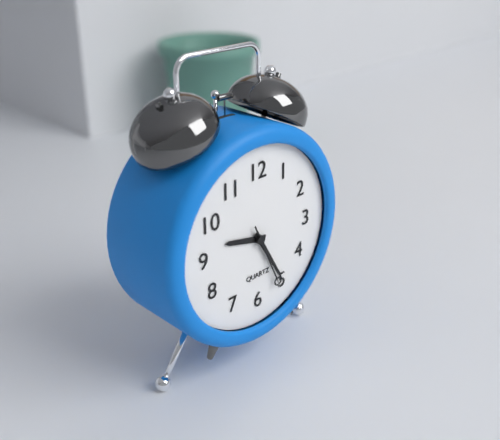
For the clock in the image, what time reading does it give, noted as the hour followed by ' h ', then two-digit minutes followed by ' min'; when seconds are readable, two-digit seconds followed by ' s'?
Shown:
9 h 25 min 26 s
